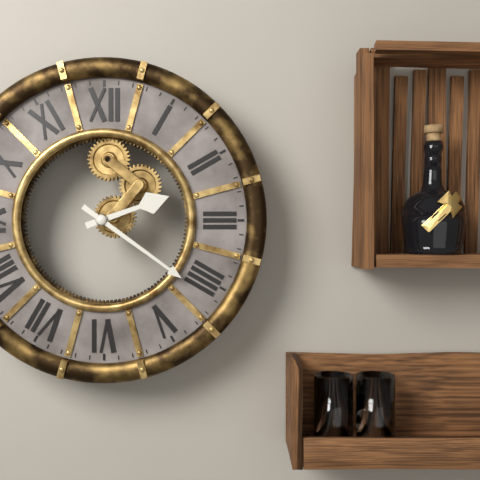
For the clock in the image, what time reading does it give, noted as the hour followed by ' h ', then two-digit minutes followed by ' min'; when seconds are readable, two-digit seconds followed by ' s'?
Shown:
2 h 21 min
